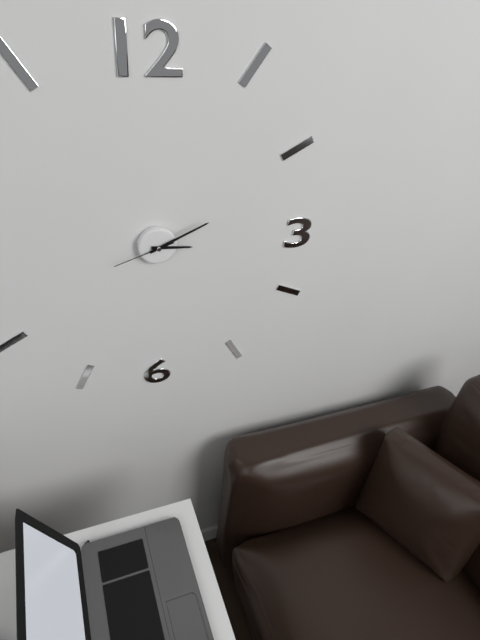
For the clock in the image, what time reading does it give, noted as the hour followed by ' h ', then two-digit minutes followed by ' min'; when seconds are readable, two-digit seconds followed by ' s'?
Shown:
3 h 11 min 42 s
